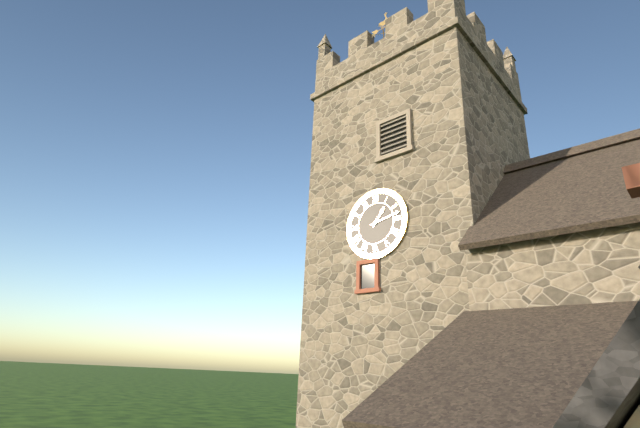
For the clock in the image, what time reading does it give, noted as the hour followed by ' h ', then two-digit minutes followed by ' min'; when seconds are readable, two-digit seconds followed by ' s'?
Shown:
1 h 13 min
